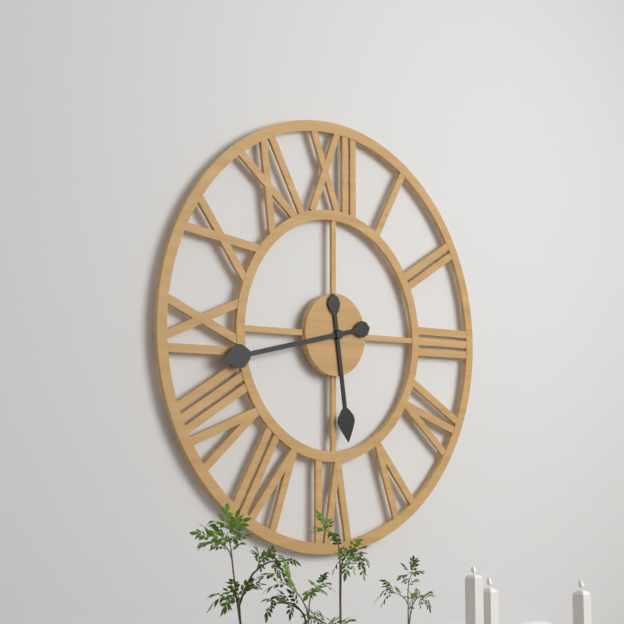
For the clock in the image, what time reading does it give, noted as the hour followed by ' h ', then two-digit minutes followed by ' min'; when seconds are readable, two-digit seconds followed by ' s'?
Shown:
5 h 43 min
